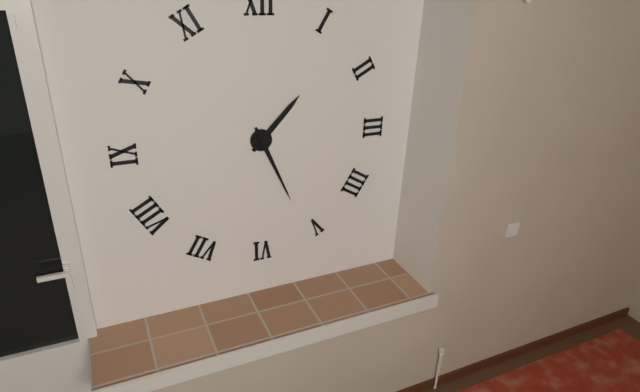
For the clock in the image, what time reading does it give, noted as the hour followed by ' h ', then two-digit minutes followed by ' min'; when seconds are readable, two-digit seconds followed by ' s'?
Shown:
1 h 26 min
